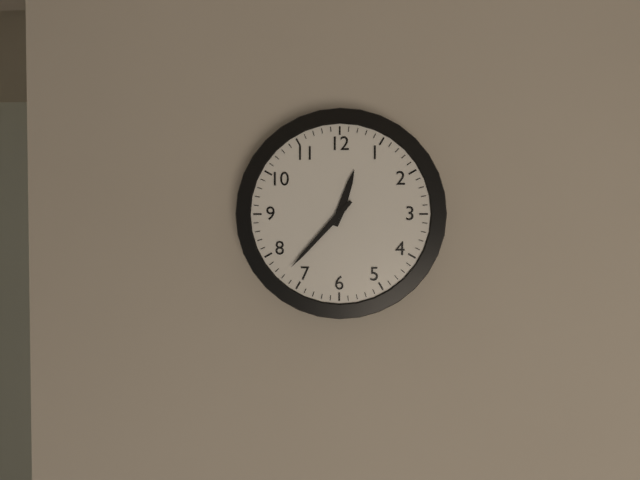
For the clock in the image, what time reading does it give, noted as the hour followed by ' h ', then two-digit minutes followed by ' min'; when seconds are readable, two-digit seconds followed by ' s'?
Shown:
12 h 37 min
